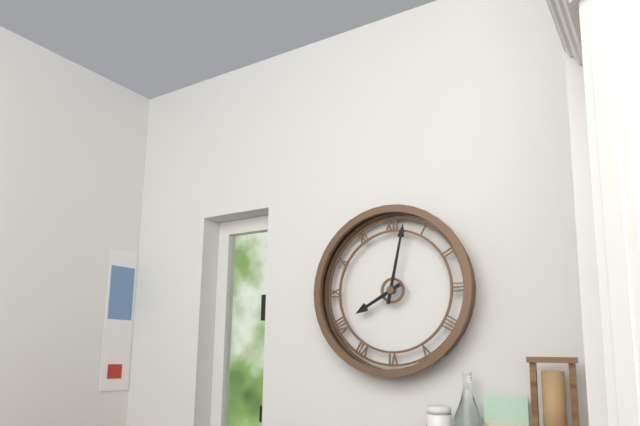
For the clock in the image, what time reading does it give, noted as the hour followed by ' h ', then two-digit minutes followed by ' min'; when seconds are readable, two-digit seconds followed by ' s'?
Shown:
8 h 02 min
